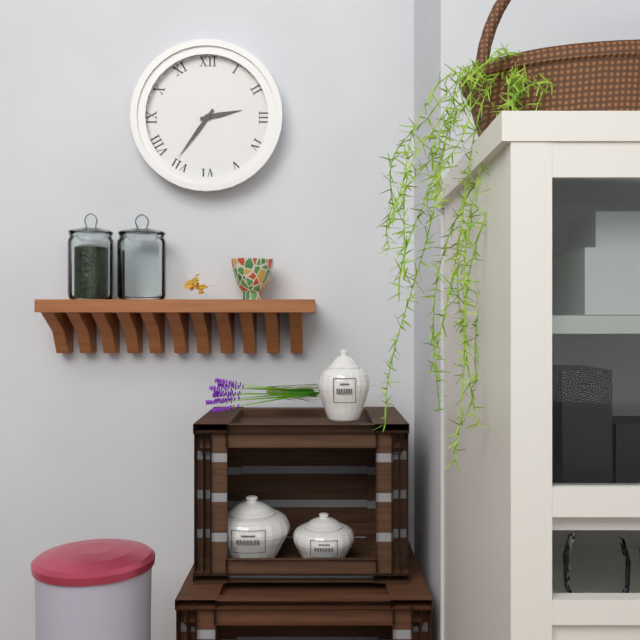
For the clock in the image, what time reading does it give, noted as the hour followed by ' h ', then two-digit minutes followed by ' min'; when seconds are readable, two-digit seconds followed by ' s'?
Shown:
2 h 36 min
